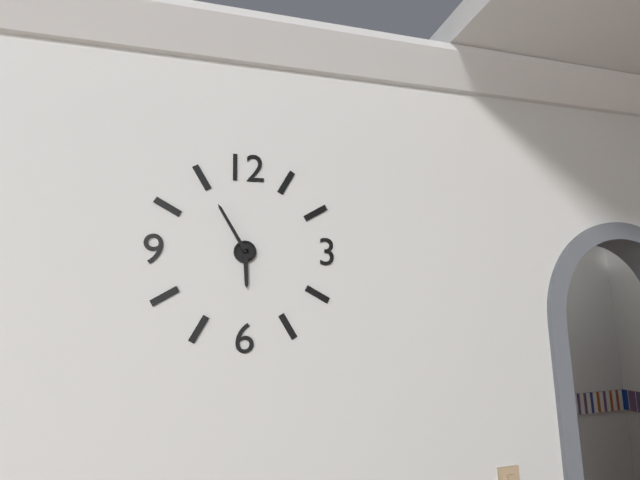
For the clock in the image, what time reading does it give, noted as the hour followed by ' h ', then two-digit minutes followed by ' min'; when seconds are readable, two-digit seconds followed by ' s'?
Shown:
5 h 55 min
